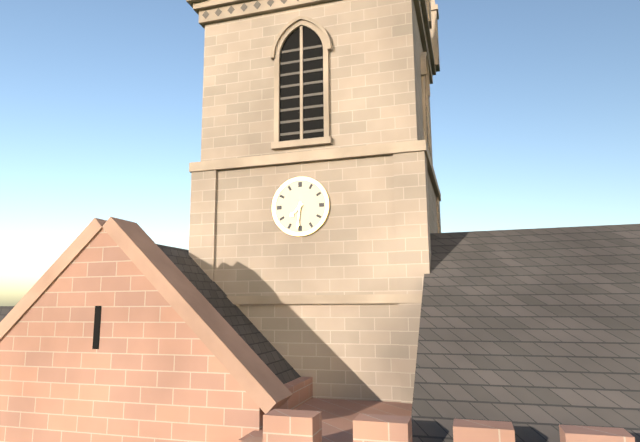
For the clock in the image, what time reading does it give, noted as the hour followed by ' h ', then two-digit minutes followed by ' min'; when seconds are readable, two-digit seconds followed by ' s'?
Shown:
7 h 31 min
